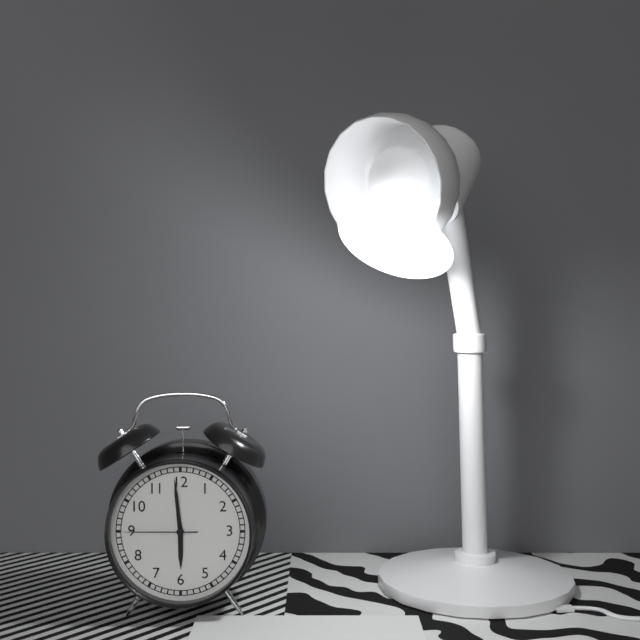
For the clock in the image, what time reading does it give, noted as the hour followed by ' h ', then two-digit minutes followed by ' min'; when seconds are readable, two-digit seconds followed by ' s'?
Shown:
5 h 59 min 45 s
